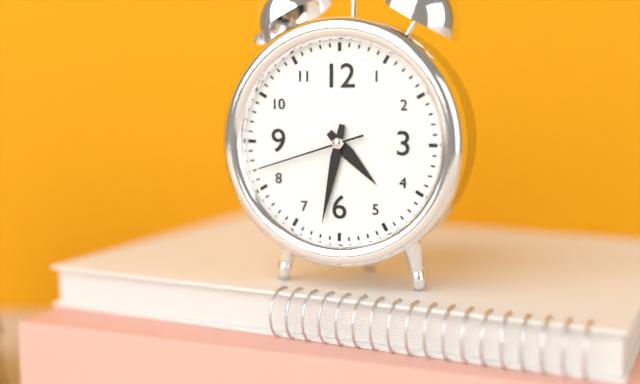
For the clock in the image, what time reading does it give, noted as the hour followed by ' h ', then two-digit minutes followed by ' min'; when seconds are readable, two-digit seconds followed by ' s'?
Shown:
4 h 32 min 42 s
